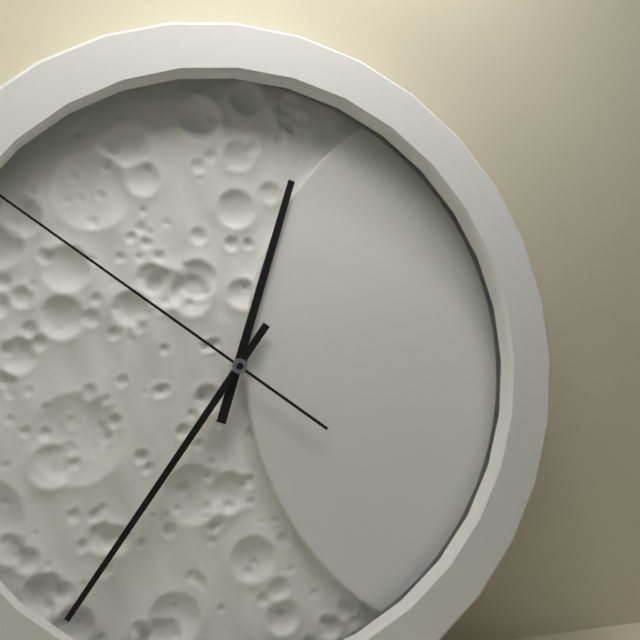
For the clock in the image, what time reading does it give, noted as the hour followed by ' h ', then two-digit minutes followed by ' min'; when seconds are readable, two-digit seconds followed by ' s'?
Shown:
12 h 36 min
